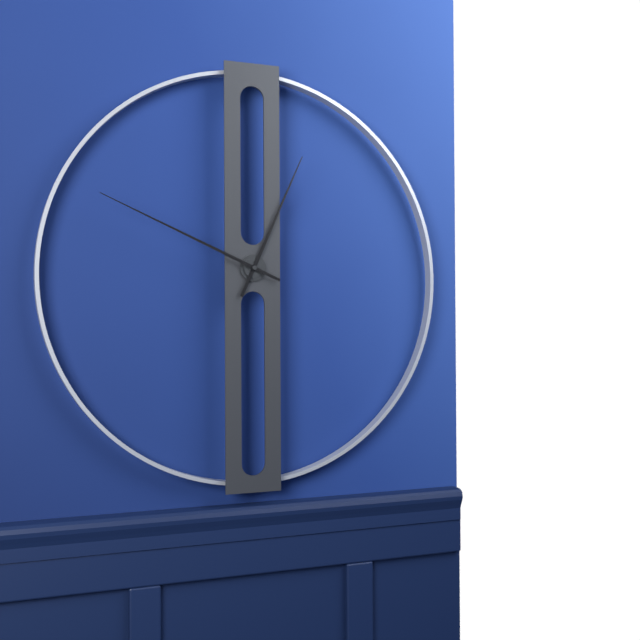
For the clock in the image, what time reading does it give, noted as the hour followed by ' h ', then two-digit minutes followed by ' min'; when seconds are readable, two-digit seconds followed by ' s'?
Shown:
12 h 49 min
